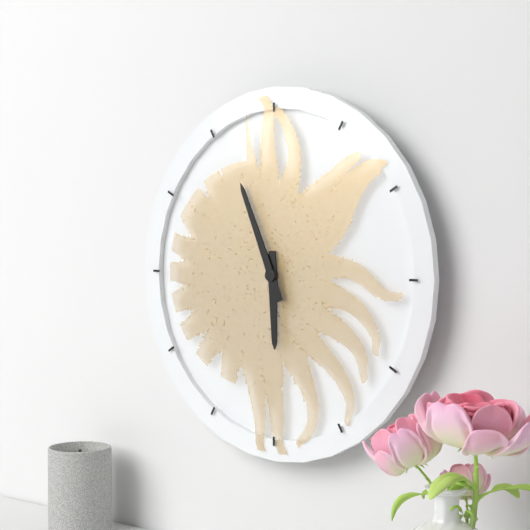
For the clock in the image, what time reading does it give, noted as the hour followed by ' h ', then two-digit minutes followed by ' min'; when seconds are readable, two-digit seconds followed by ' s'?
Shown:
5 h 56 min
